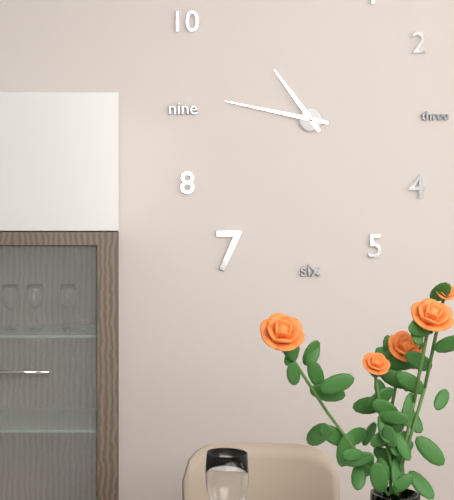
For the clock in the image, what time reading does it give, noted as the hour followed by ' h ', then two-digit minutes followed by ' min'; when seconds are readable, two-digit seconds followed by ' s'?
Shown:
10 h 47 min
